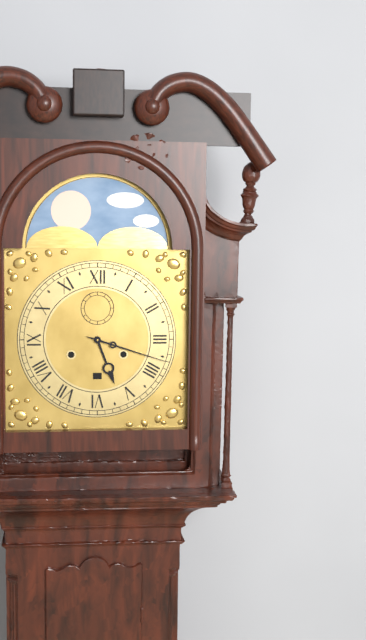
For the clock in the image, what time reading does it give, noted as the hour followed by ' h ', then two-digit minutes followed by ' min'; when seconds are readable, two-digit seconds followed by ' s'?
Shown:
5 h 18 min
